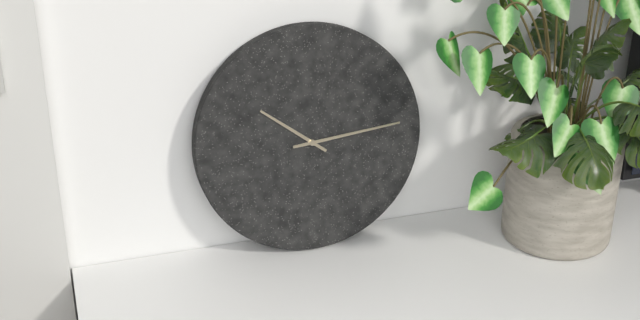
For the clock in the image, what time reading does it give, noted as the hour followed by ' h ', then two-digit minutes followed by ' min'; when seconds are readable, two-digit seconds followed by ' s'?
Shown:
10 h 14 min
